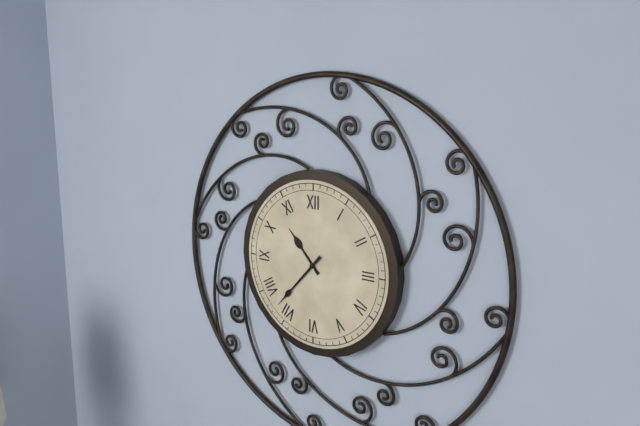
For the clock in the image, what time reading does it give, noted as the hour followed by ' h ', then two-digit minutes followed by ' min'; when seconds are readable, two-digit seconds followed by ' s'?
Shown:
10 h 37 min
